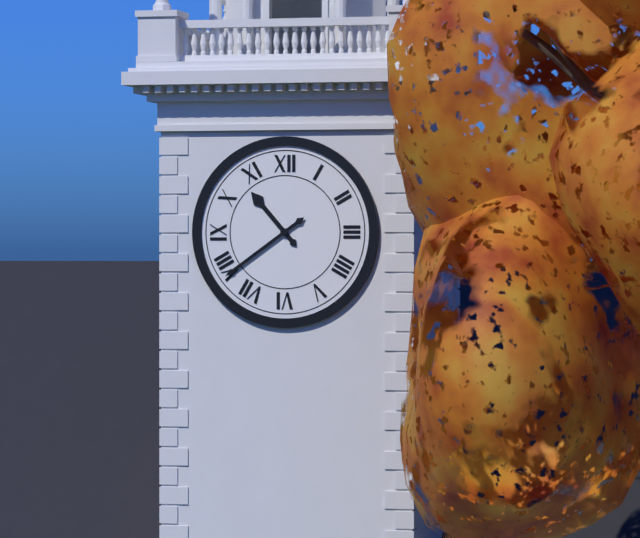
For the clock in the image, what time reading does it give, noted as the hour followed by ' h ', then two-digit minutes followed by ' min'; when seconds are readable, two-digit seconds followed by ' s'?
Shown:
10 h 39 min
